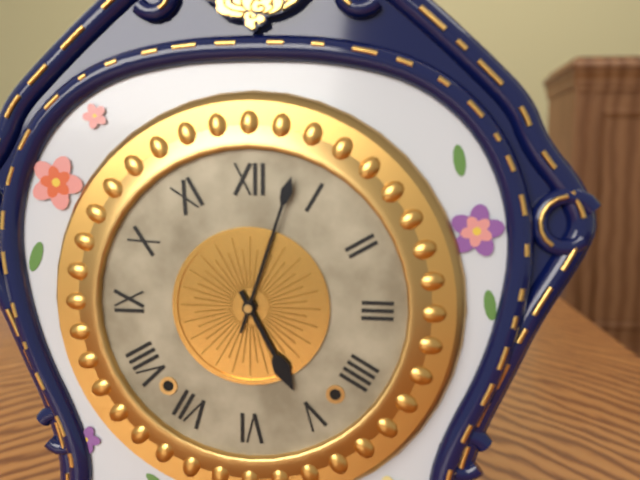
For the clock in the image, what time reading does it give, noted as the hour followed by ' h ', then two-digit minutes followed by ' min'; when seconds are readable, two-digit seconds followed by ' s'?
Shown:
5 h 03 min
